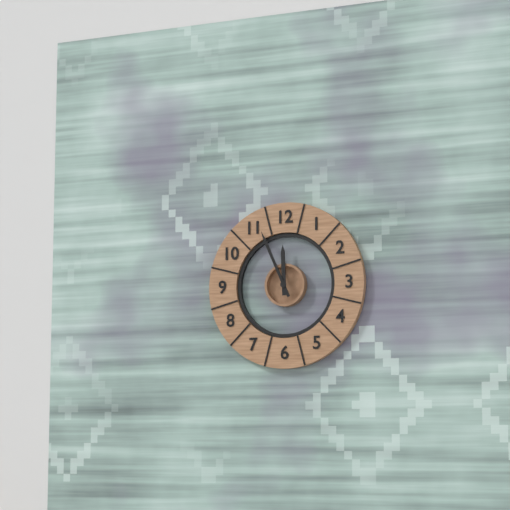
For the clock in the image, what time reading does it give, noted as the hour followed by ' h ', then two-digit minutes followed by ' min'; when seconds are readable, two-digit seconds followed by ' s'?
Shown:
11 h 56 min
